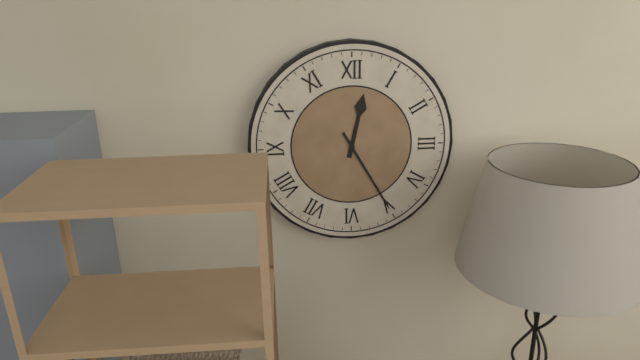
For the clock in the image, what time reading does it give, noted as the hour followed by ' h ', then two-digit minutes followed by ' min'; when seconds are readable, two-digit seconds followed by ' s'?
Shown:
12 h 25 min
